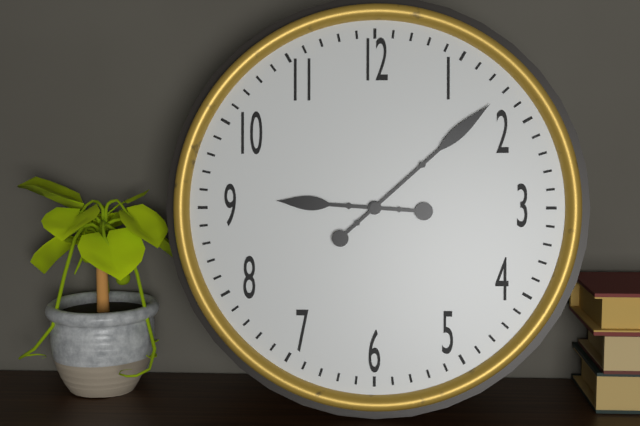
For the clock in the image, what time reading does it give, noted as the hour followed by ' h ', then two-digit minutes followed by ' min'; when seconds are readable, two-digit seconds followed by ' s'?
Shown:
9 h 08 min
